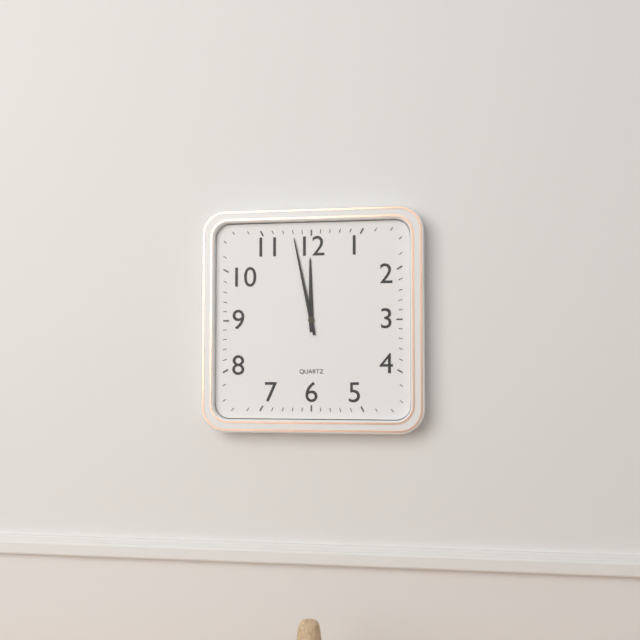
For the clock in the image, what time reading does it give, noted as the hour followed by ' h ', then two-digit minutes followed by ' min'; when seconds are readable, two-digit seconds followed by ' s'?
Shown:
11 h 58 min
